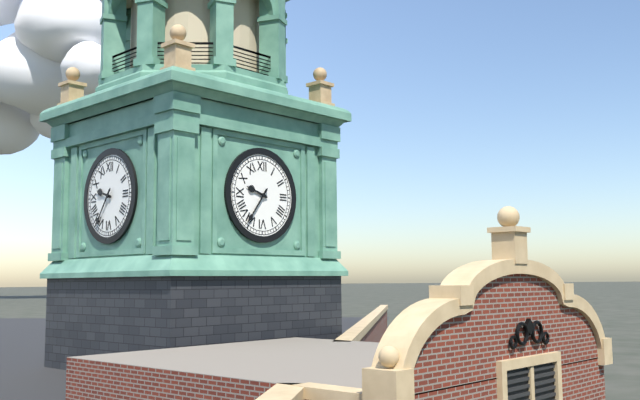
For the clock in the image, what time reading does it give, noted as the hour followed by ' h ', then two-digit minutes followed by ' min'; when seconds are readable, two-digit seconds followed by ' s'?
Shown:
9 h 36 min
